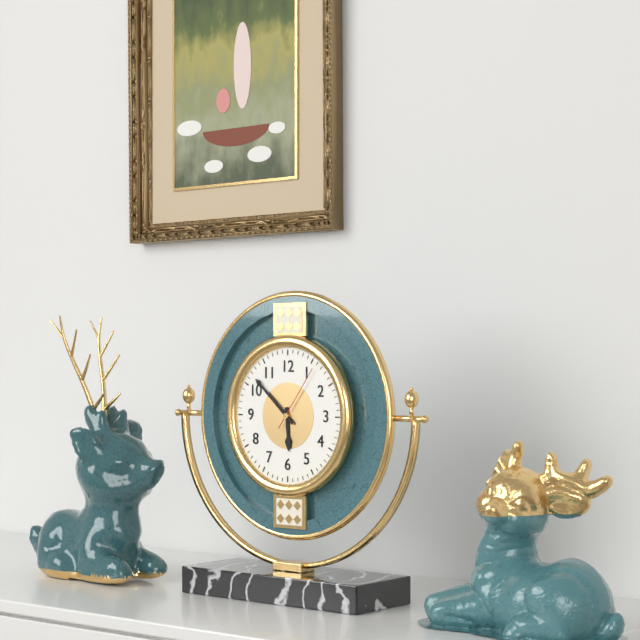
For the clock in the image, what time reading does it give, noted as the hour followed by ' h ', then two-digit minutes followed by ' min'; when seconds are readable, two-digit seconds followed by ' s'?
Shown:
5 h 52 min 06 s
